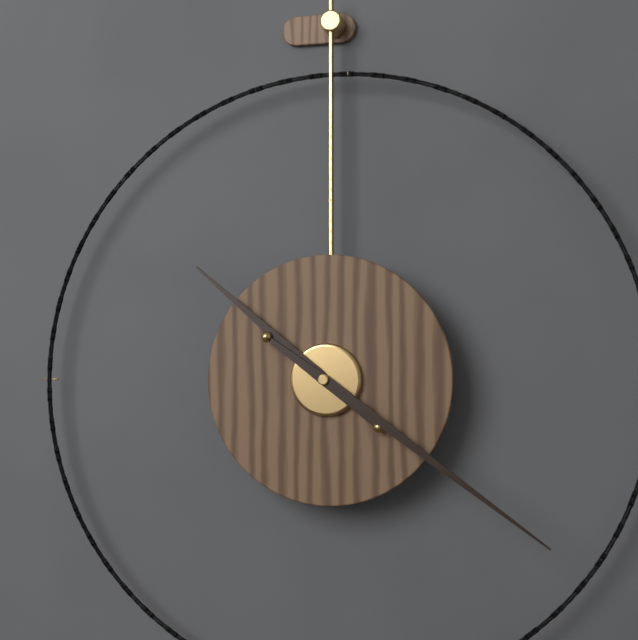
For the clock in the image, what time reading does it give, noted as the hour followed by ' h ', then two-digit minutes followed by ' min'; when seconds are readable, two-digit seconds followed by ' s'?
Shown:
10 h 21 min
